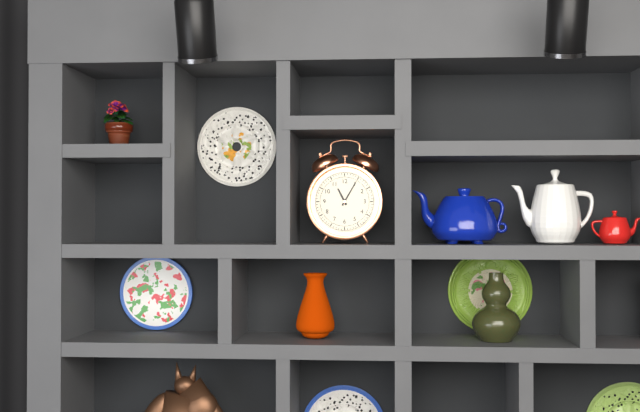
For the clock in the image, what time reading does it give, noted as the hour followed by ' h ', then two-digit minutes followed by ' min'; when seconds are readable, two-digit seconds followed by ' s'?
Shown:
11 h 05 min
